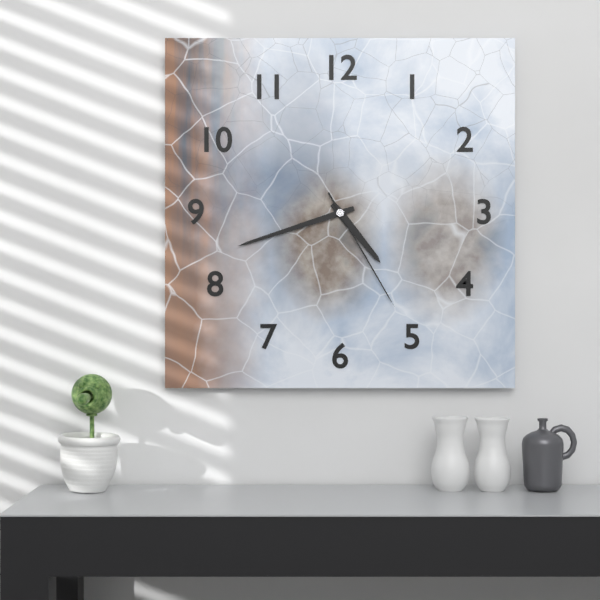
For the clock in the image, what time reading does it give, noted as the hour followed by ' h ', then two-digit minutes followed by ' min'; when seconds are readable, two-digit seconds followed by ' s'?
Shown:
4 h 42 min 25 s
